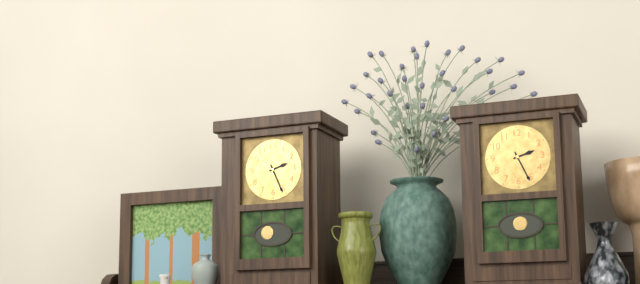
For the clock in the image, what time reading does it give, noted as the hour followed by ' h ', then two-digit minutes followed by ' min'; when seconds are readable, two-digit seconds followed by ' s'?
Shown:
2 h 26 min
